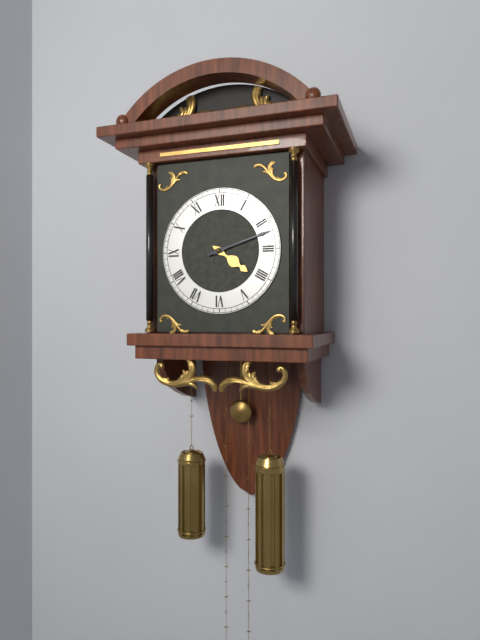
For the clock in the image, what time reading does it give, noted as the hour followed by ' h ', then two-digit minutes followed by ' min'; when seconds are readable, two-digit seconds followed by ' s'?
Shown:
4 h 12 min
